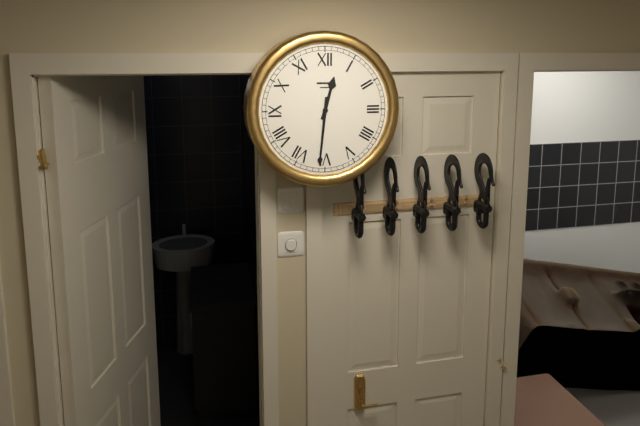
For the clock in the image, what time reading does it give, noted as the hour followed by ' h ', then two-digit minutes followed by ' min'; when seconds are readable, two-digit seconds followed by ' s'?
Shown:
12 h 31 min
